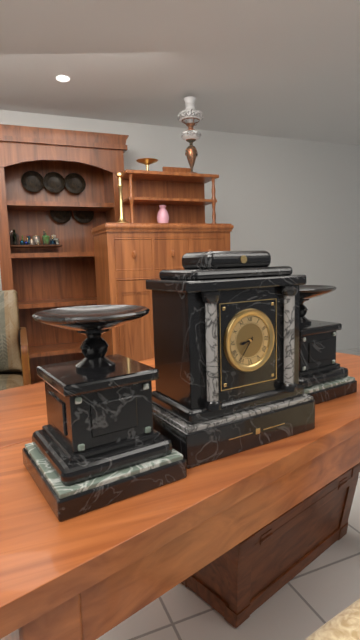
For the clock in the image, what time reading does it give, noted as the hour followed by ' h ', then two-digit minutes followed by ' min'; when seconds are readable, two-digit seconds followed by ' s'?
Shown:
8 h 36 min
